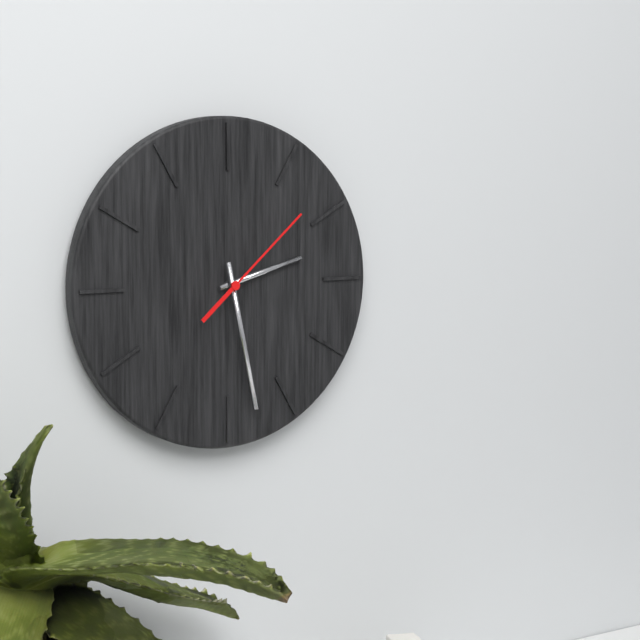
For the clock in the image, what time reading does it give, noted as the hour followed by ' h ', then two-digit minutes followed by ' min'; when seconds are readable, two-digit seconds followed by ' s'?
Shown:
2 h 28 min 08 s
